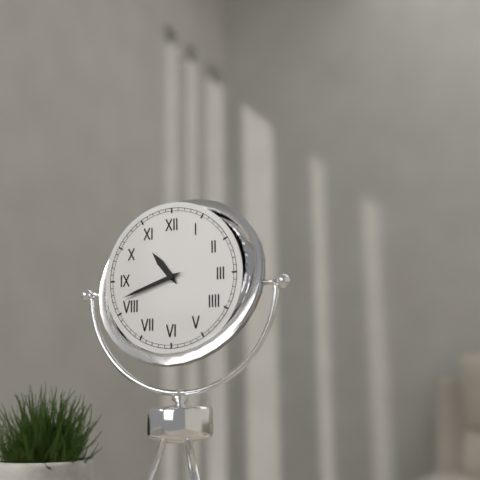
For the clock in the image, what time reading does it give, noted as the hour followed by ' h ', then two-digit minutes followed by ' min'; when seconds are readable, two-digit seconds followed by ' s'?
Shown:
10 h 42 min
